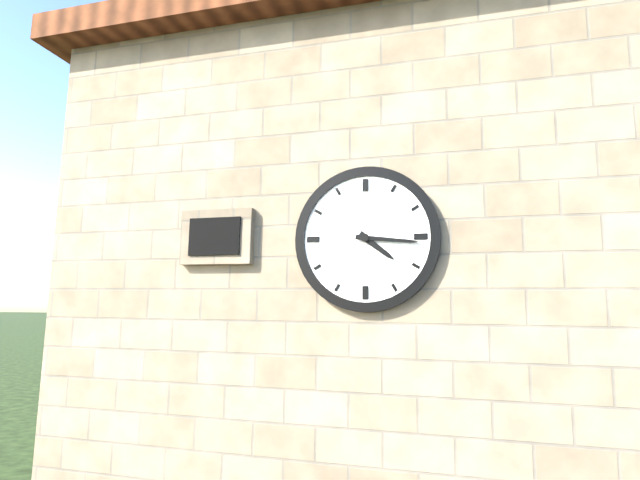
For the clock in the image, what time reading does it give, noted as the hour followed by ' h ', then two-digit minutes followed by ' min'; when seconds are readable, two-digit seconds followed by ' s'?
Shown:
4 h 16 min
